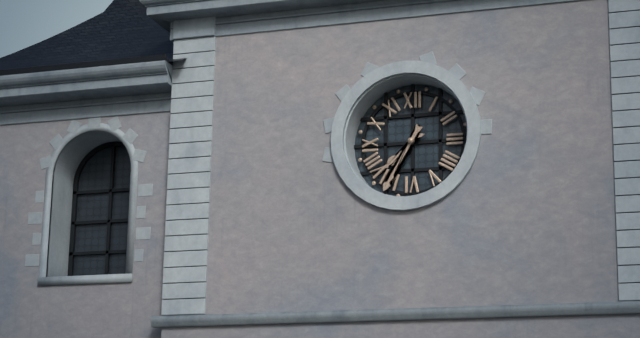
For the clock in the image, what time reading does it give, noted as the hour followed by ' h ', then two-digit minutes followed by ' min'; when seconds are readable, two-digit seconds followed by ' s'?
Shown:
7 h 35 min
